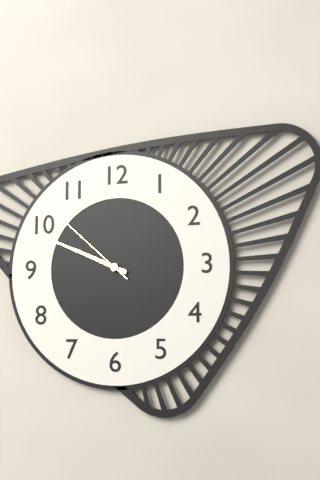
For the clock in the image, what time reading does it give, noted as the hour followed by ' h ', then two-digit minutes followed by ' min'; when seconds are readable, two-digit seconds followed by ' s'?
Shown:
9 h 49 min 52 s
